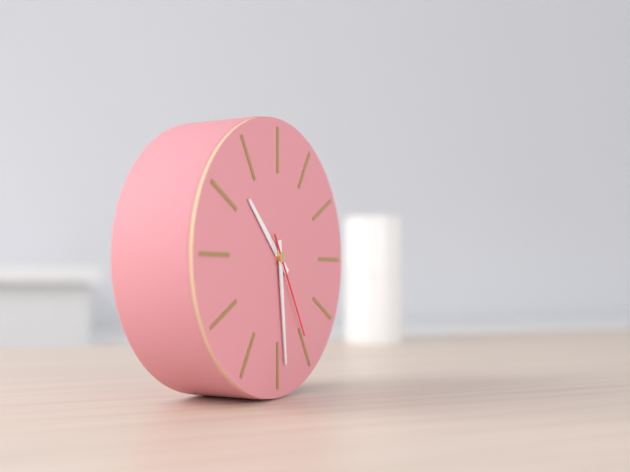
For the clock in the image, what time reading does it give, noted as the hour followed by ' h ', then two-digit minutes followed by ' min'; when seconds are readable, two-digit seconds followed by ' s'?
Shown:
10 h 29 min 25 s
